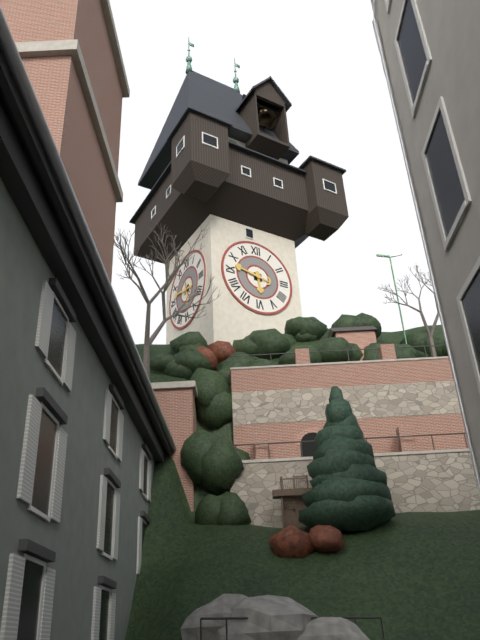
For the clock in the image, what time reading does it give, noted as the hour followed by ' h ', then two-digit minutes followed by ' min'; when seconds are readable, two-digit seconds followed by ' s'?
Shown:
5 h 47 min
